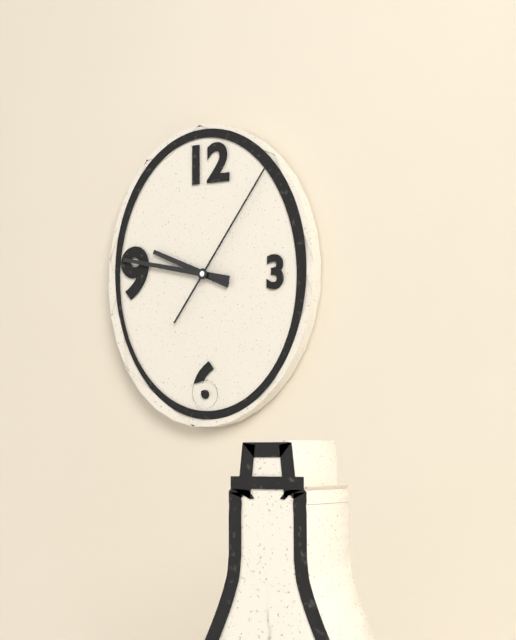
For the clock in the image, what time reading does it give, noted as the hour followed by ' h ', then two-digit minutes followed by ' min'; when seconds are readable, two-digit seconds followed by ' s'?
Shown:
9 h 47 min 06 s
